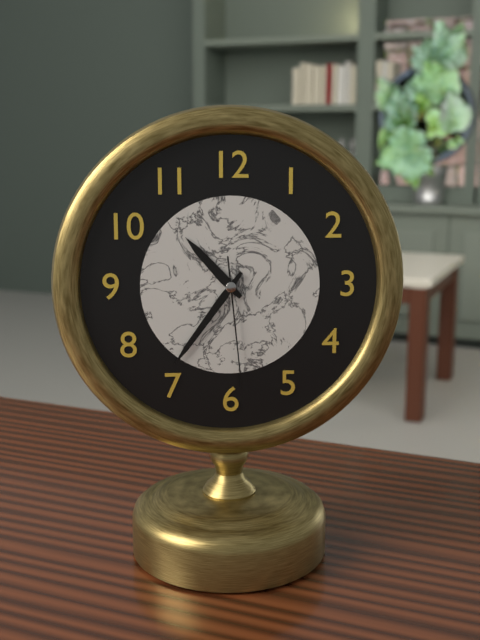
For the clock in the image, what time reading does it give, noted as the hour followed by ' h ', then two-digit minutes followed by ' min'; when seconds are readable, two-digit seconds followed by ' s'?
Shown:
10 h 36 min 29 s
